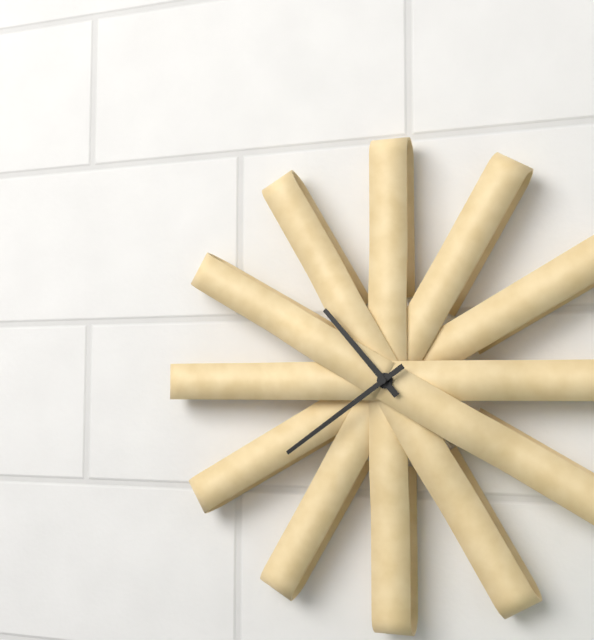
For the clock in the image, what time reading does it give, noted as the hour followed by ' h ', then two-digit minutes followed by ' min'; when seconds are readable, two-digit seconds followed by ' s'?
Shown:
10 h 39 min
